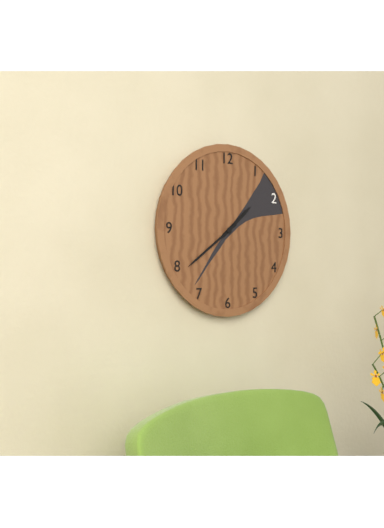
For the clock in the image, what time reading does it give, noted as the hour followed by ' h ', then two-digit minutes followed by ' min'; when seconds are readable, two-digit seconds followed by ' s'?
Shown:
1 h 39 min
